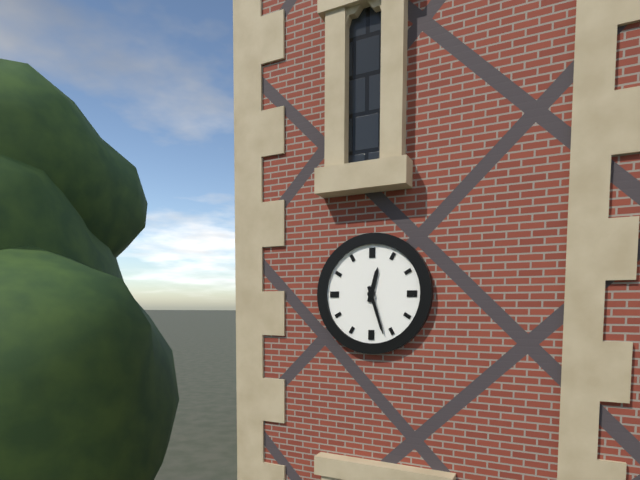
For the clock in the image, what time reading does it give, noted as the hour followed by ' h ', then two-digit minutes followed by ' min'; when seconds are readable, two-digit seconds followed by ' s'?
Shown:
12 h 27 min
